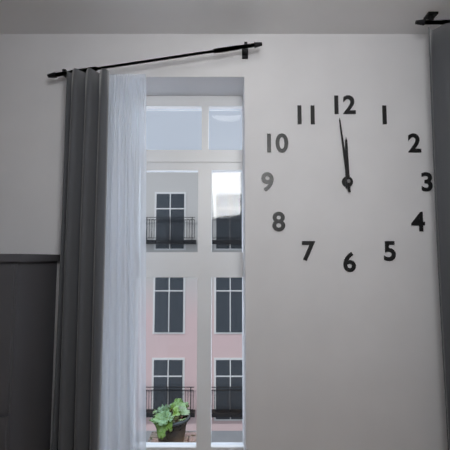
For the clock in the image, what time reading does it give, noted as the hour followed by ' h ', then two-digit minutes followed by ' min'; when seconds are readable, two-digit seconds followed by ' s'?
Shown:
11 h 59 min
